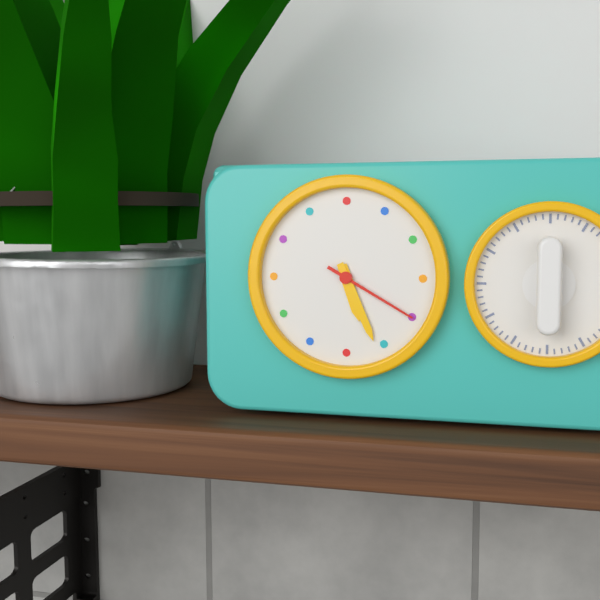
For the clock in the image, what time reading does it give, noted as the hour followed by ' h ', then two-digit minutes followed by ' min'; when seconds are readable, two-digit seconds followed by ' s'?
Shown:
5 h 26 min 20 s
